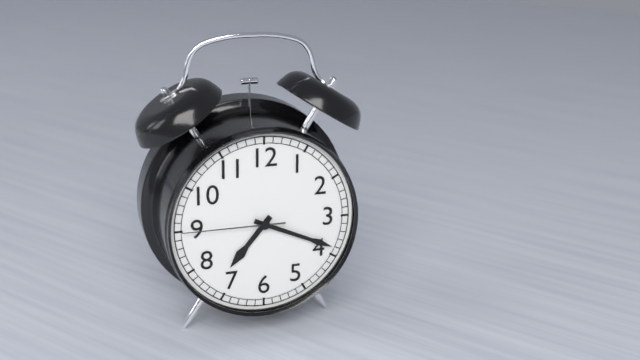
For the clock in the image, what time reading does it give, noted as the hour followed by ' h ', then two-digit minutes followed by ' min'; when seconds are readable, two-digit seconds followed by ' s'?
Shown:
7 h 19 min 45 s
